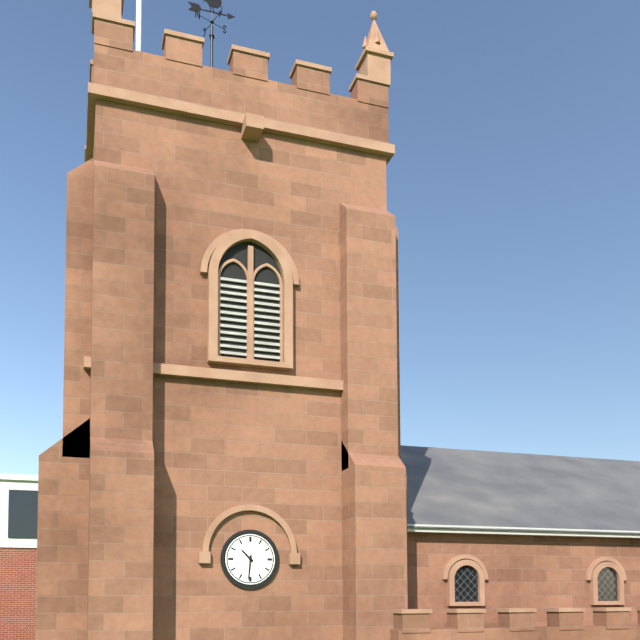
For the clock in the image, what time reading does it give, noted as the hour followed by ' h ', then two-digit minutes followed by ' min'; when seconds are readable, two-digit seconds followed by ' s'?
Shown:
10 h 31 min
